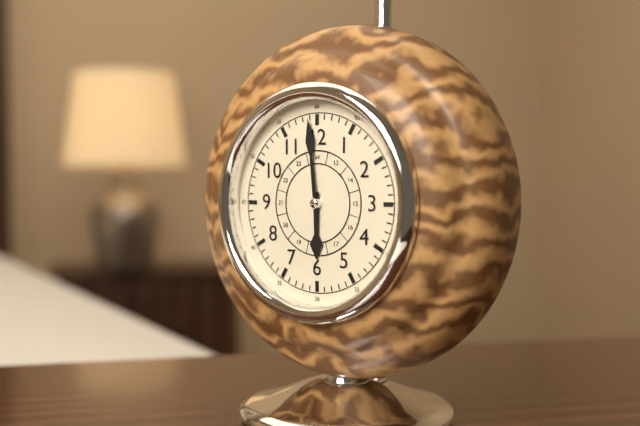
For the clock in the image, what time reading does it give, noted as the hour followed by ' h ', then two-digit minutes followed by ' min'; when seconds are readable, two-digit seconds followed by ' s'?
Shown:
5 h 59 min
